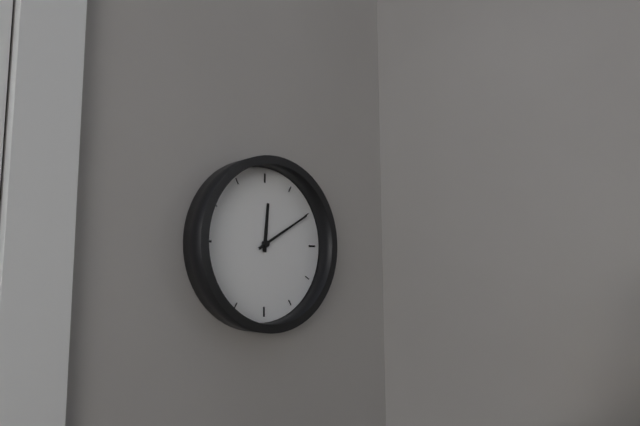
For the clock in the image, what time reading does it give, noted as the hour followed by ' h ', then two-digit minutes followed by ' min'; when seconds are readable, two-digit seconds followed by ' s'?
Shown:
12 h 10 min
